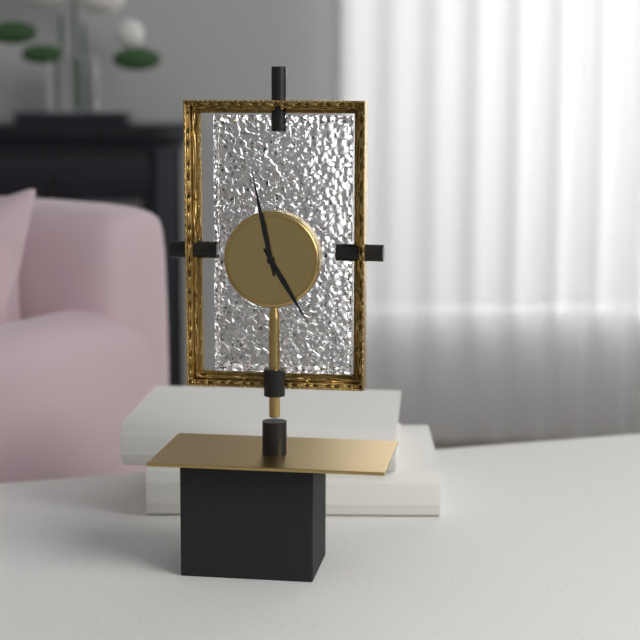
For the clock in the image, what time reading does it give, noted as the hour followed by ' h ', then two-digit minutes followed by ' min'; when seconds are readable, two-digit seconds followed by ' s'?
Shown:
4 h 58 min
